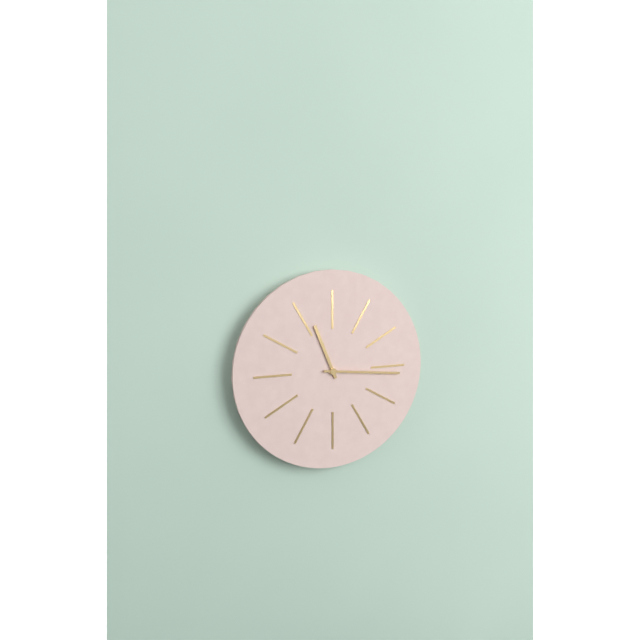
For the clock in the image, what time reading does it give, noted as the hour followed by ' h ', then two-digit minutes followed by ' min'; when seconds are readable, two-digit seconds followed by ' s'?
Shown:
11 h 16 min
